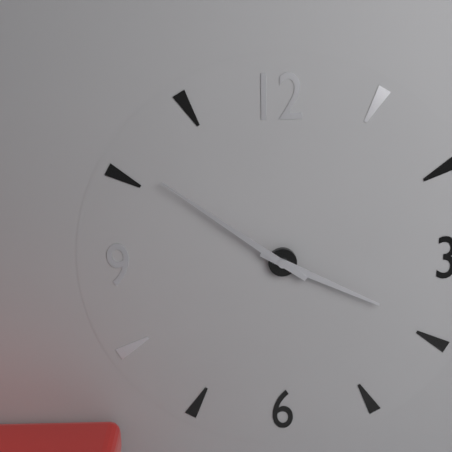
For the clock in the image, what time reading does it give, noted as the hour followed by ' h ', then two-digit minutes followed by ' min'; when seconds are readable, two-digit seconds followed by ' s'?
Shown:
3 h 51 min
